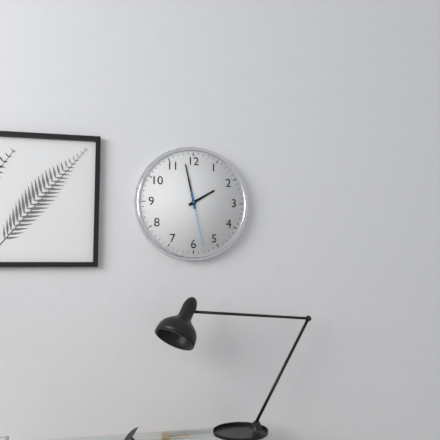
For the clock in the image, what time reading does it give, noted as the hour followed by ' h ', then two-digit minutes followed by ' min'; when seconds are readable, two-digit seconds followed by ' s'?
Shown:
1 h 58 min 28 s
